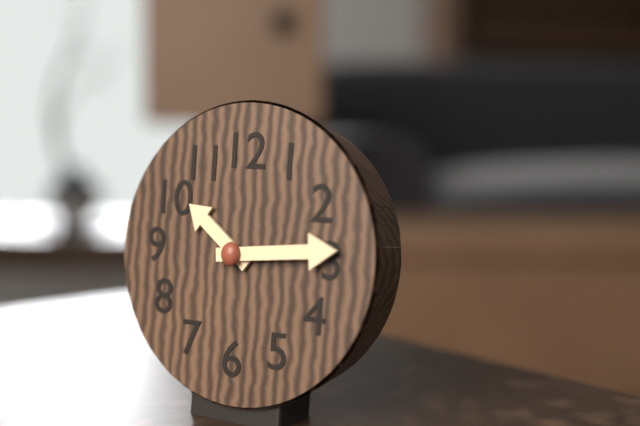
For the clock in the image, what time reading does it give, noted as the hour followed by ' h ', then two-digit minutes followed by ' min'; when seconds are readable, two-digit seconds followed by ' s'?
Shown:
10 h 14 min
